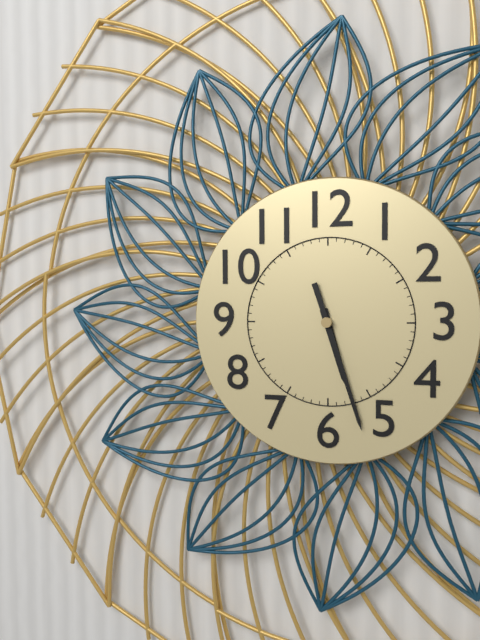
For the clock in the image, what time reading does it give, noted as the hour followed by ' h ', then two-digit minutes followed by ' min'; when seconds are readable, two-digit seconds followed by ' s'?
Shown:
5 h 27 min
